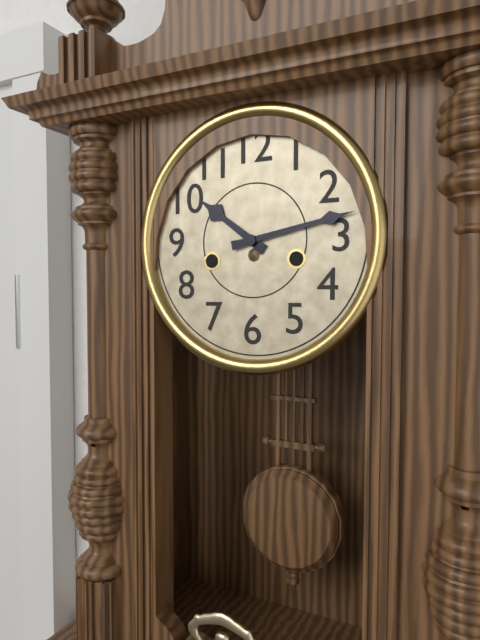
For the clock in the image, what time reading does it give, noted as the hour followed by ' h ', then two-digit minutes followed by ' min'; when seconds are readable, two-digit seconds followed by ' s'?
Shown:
10 h 13 min
